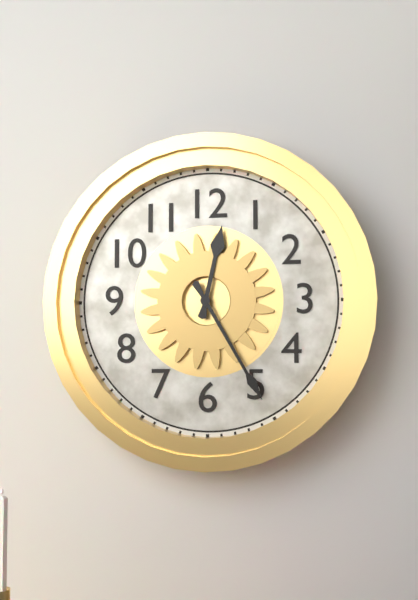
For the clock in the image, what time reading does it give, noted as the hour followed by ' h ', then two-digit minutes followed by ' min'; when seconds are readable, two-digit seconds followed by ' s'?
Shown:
12 h 25 min
